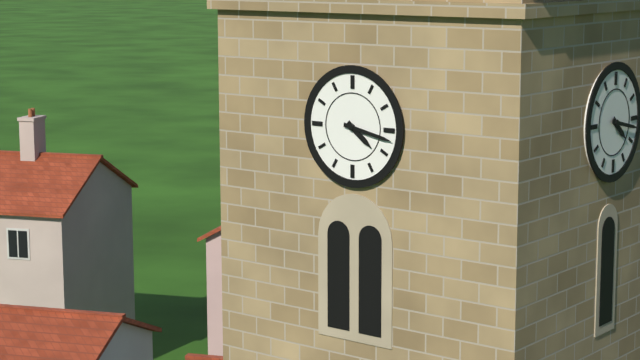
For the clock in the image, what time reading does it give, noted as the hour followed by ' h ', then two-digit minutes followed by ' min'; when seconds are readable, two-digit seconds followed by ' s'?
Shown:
4 h 17 min
